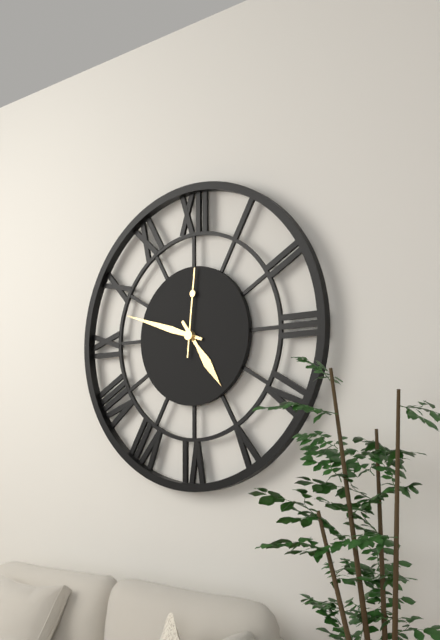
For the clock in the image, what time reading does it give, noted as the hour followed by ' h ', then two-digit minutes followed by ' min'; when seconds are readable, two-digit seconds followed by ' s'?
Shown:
4 h 48 min 01 s
